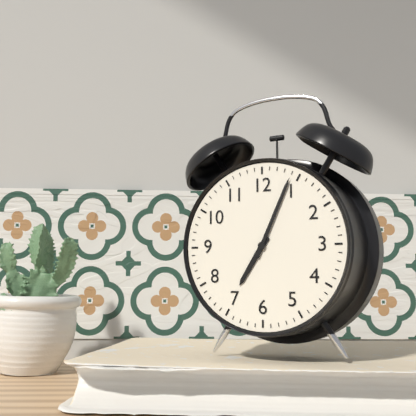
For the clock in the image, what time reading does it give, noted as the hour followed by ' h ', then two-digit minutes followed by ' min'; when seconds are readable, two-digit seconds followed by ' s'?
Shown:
7 h 04 min
